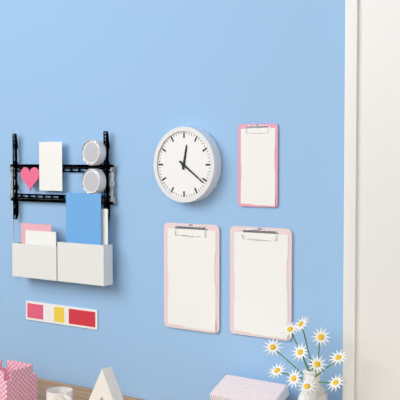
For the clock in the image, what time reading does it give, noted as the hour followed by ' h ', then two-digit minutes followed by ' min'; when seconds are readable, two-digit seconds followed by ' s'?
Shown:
12 h 21 min
